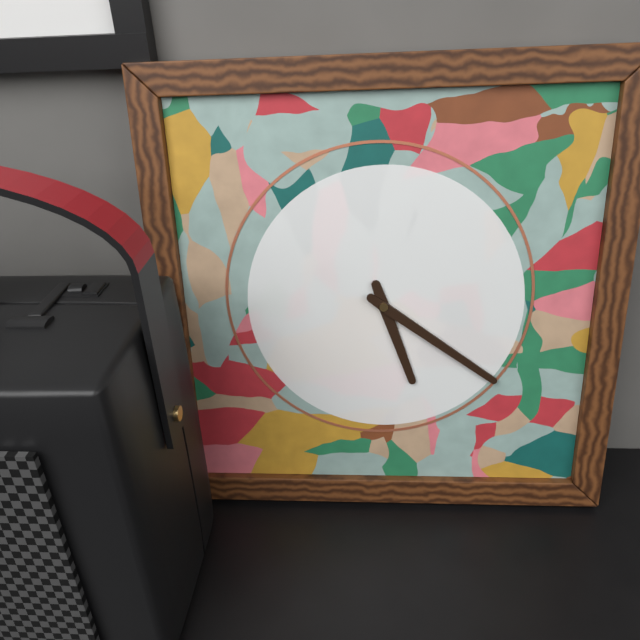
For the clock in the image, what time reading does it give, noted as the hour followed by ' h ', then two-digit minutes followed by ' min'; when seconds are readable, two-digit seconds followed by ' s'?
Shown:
5 h 21 min
